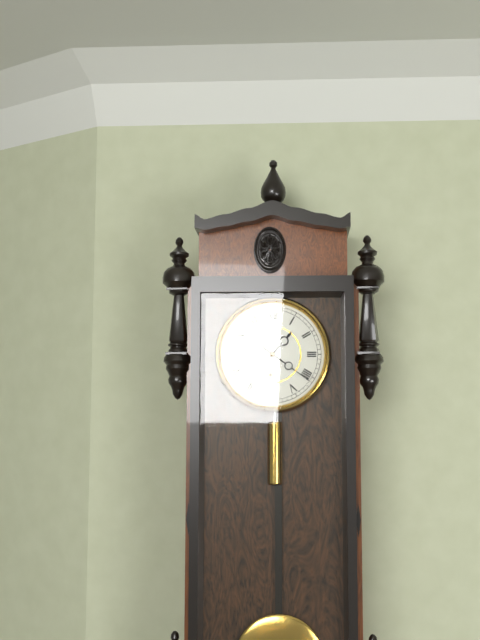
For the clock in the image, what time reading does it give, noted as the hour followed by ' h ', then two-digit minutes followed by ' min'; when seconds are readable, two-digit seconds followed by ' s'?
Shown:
1 h 21 min
